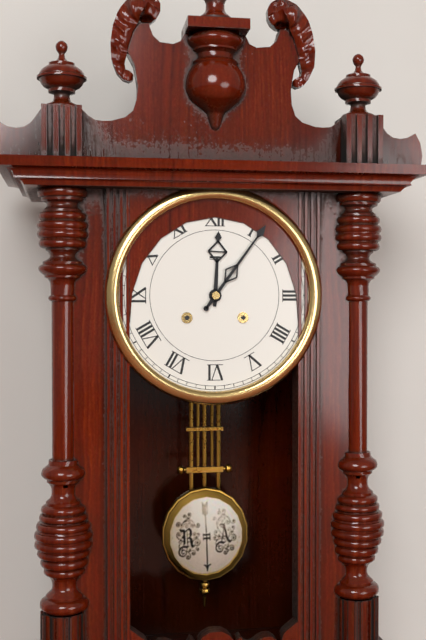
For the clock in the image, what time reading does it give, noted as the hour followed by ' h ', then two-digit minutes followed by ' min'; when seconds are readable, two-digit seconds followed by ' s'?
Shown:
12 h 06 min
